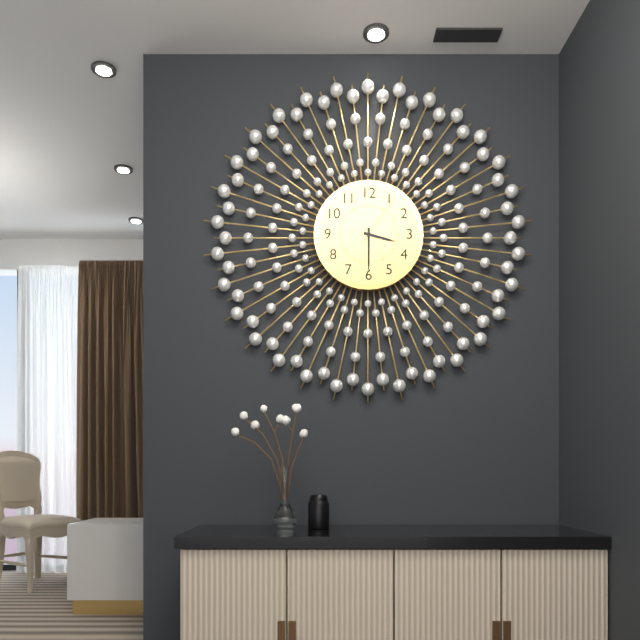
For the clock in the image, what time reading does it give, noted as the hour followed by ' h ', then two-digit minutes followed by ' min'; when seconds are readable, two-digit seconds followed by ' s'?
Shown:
3 h 30 min 06 s
